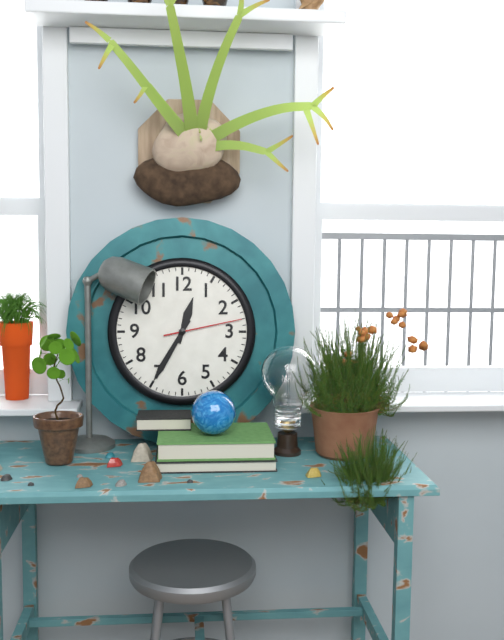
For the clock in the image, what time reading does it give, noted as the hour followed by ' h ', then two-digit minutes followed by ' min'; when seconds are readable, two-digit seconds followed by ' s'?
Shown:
12 h 35 min 13 s
